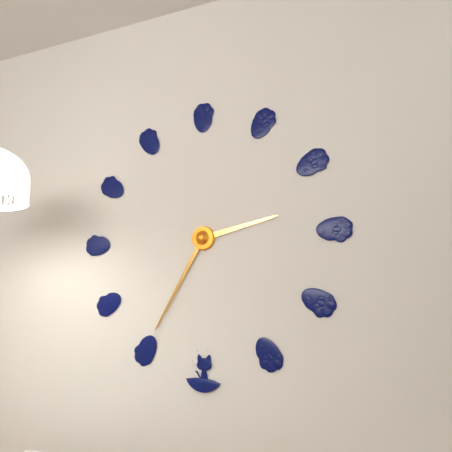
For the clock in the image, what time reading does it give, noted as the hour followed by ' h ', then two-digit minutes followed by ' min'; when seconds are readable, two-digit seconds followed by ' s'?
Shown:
2 h 35 min
